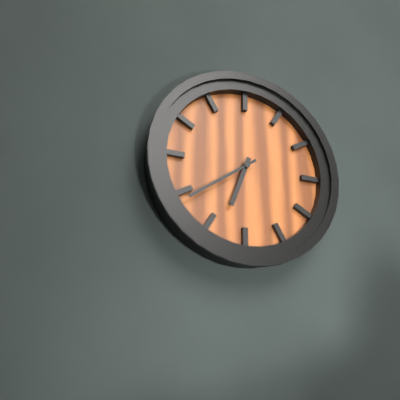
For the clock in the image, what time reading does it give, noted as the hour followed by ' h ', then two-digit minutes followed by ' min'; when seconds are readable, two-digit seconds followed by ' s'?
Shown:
6 h 39 min
